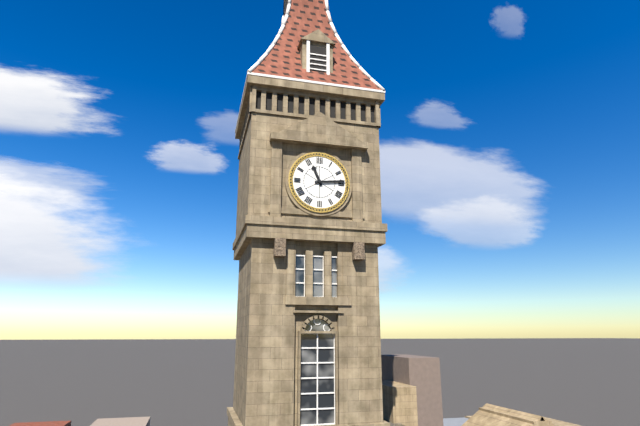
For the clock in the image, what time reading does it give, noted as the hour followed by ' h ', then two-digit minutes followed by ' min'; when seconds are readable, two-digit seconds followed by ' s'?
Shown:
11 h 14 min
